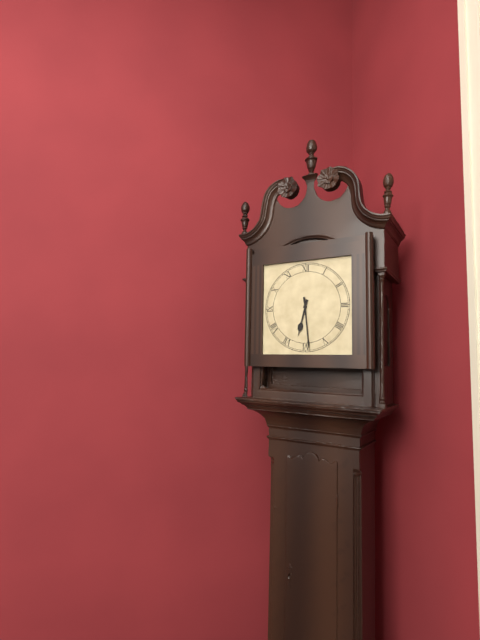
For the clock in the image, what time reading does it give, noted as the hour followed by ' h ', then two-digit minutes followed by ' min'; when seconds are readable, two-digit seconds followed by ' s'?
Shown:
6 h 29 min
